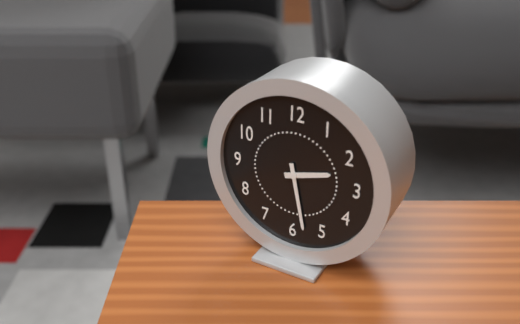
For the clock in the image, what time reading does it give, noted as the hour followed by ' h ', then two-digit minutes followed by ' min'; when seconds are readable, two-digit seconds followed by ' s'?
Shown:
2 h 28 min
